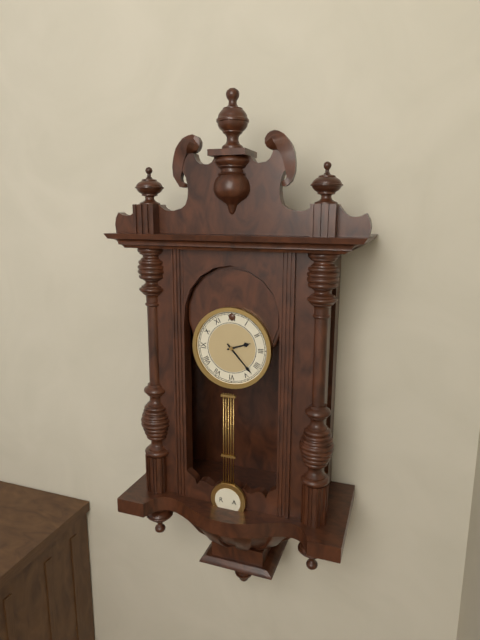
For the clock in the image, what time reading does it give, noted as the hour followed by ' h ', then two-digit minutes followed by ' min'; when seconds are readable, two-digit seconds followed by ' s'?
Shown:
2 h 23 min
